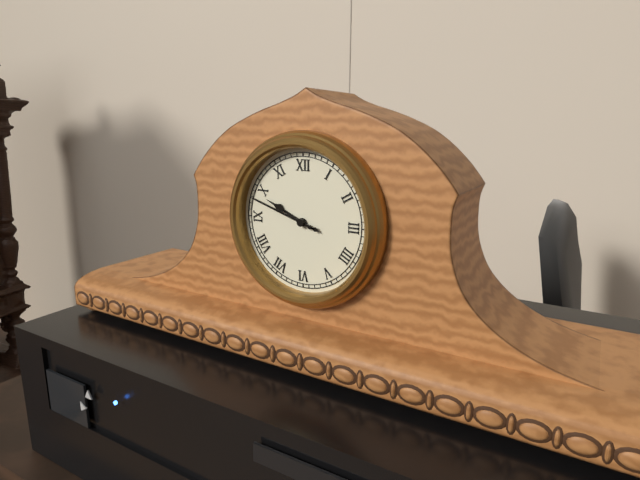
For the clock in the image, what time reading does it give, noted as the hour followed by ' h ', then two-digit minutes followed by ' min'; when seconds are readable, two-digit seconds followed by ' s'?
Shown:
9 h 48 min
